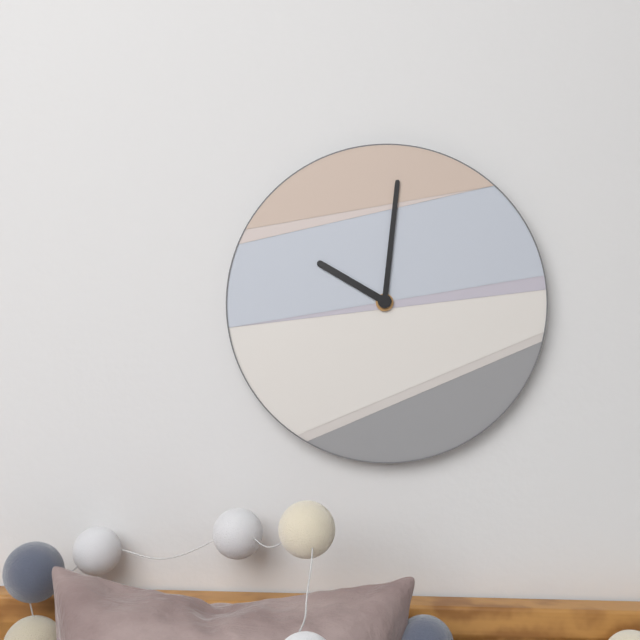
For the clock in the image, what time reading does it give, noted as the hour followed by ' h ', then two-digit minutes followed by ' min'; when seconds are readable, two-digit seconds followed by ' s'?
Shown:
10 h 01 min
